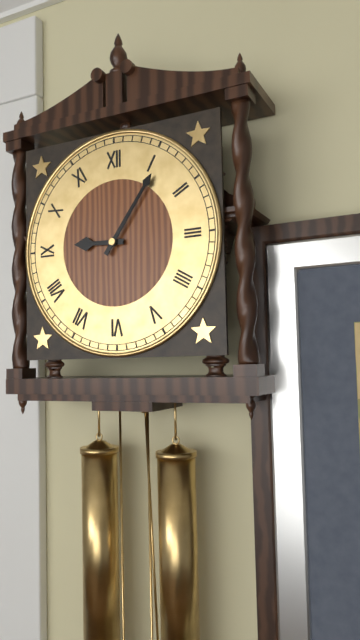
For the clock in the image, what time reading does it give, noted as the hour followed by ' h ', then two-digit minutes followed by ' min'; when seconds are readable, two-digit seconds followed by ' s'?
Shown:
9 h 06 min
